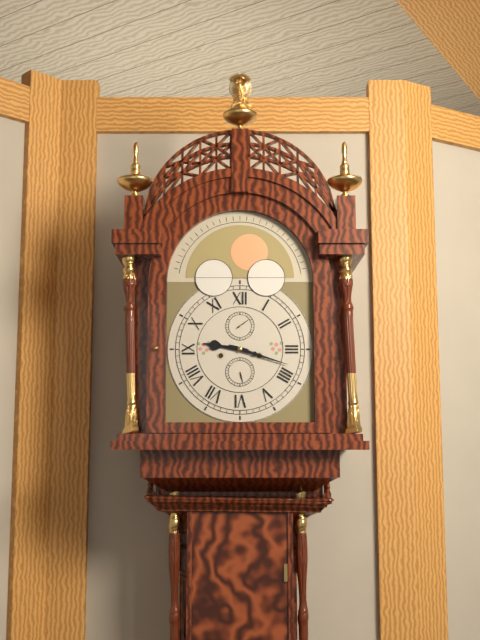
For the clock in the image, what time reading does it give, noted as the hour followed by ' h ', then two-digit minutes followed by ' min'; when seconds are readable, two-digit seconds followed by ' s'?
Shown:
9 h 18 min
